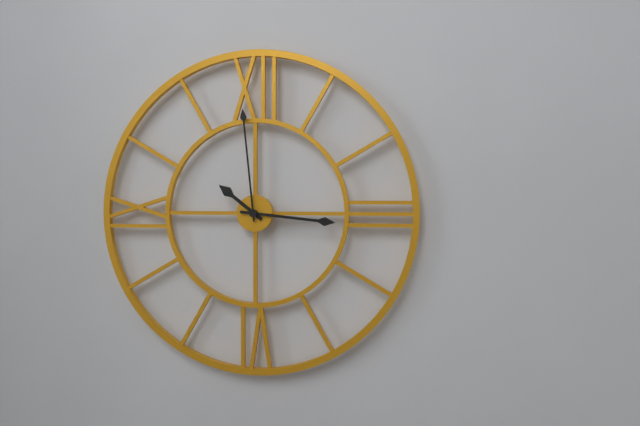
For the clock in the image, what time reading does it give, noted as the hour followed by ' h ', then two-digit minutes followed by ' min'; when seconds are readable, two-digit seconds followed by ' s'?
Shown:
10 h 16 min 59 s
